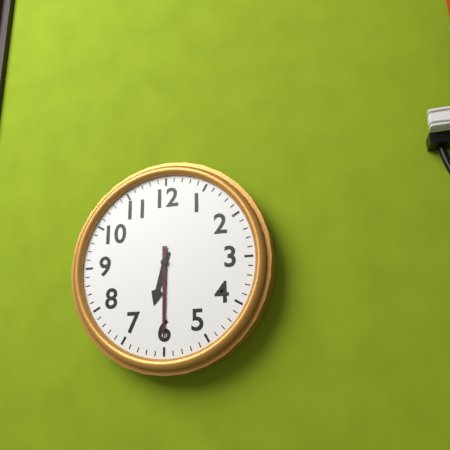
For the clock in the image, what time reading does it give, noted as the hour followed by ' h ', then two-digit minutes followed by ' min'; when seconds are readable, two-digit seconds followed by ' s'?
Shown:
6 h 30 min
